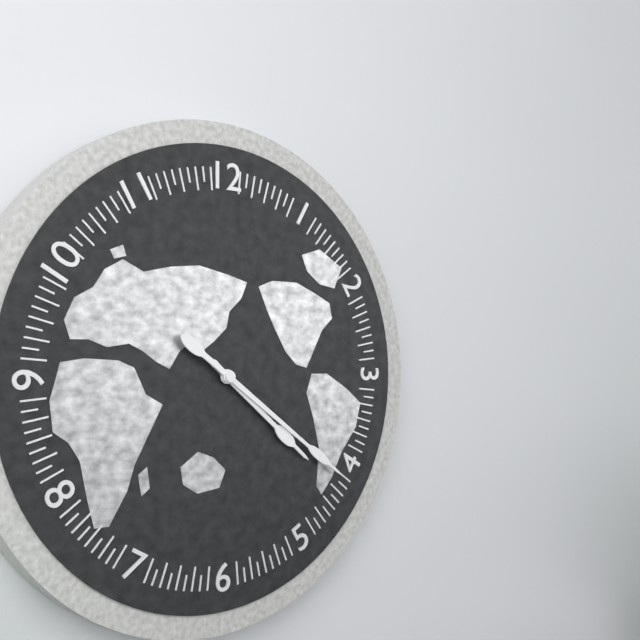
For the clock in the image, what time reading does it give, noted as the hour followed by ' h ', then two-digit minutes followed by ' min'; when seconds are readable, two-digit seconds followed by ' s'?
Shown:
4 h 21 min
